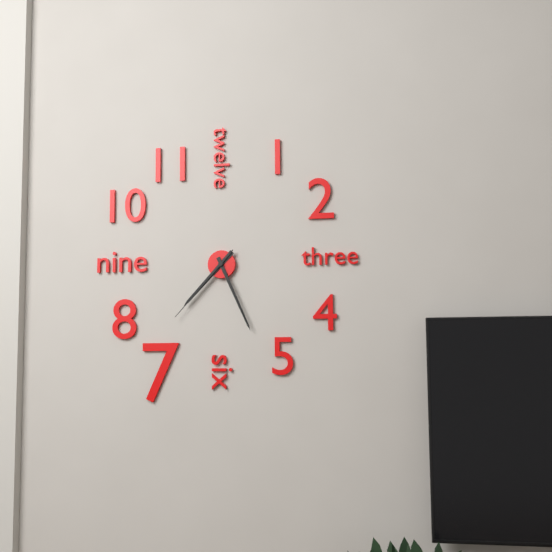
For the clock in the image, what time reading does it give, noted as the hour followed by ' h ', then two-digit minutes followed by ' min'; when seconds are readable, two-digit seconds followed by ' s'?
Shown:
7 h 26 min 37 s
